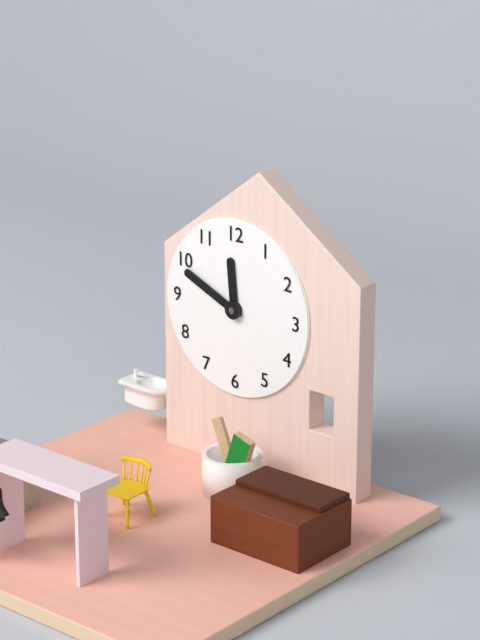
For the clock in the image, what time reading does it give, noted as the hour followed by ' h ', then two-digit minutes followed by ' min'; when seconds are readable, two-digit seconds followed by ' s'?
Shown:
11 h 49 min
